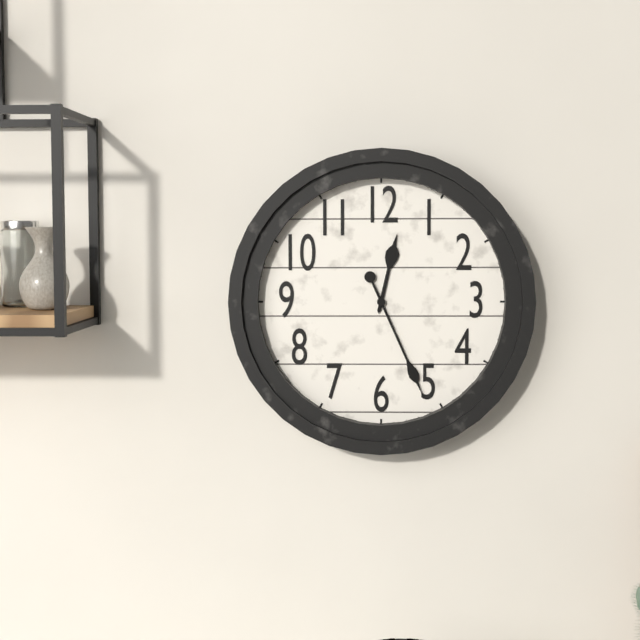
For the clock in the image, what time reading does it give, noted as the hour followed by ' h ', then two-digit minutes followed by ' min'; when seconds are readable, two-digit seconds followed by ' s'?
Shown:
12 h 26 min
